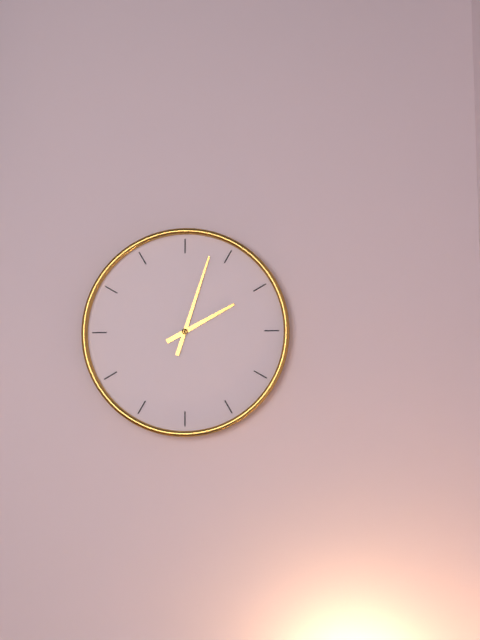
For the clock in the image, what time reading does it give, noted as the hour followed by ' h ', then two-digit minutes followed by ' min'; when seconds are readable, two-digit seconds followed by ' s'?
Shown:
2 h 03 min
